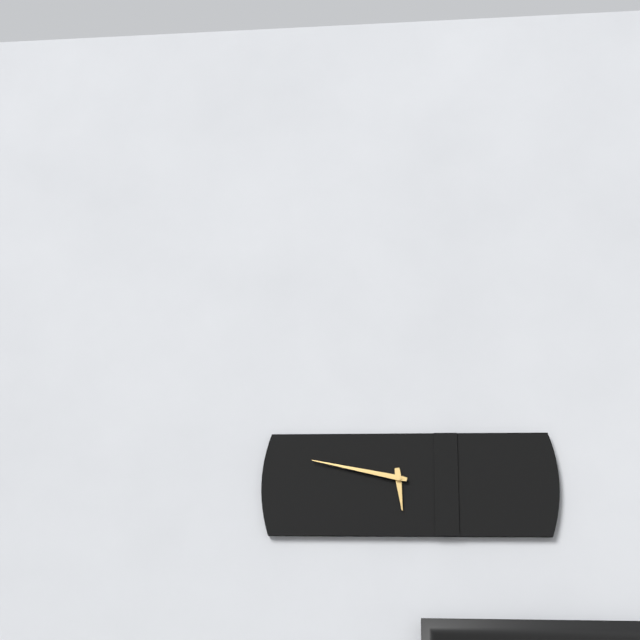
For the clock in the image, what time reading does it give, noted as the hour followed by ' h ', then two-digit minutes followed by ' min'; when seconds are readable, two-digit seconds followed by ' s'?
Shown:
5 h 47 min
